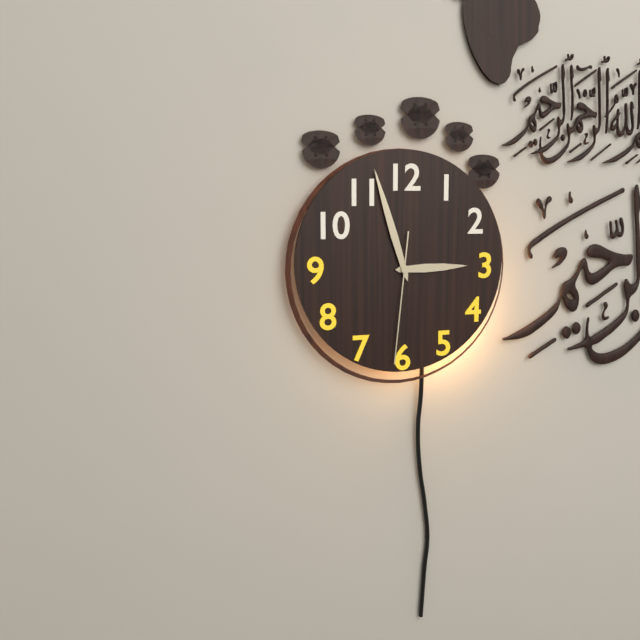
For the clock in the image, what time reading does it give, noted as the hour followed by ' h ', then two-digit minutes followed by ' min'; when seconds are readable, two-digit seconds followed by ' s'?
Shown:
2 h 57 min 31 s
